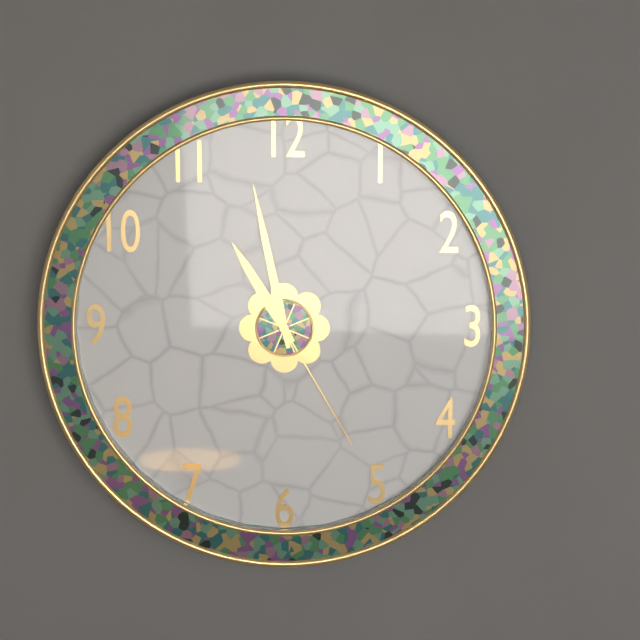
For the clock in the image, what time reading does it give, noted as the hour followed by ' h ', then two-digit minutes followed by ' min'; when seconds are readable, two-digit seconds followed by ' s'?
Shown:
10 h 58 min 25 s
